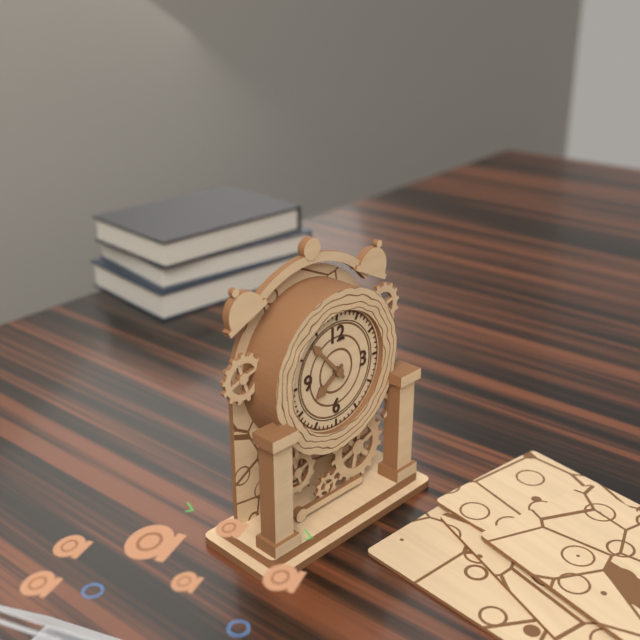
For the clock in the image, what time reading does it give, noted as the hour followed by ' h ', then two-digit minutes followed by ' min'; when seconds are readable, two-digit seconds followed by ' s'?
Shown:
7 h 53 min
